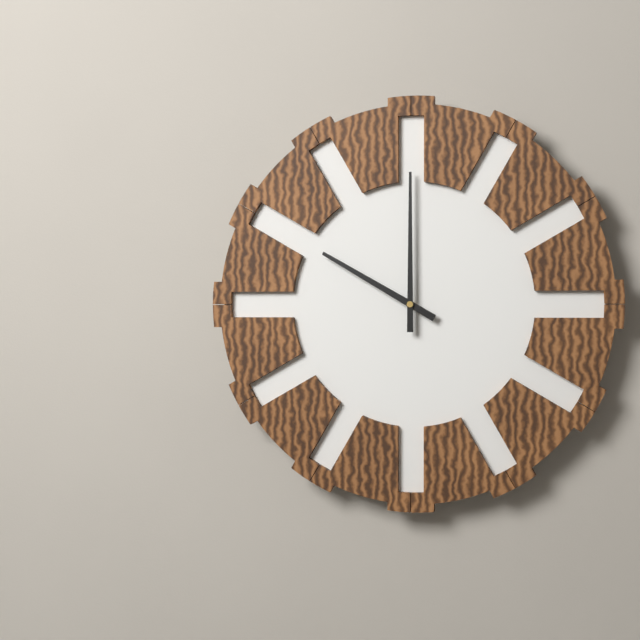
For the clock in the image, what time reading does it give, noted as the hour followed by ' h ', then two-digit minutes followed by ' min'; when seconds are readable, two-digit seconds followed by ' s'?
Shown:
10 h 00 min
